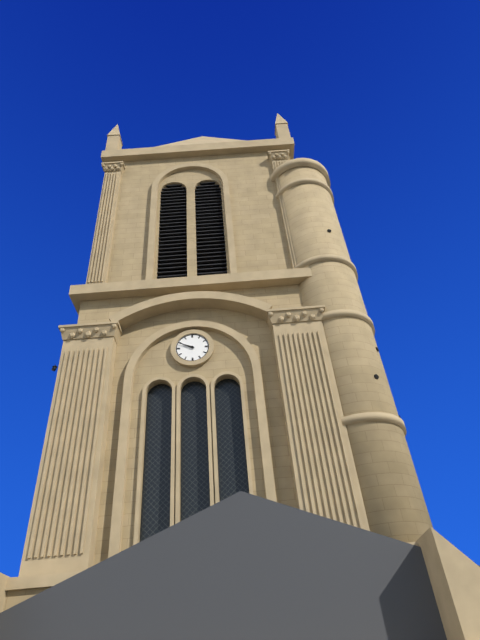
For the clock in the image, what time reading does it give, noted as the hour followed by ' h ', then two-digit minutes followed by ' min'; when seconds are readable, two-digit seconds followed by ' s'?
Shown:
9 h 49 min
